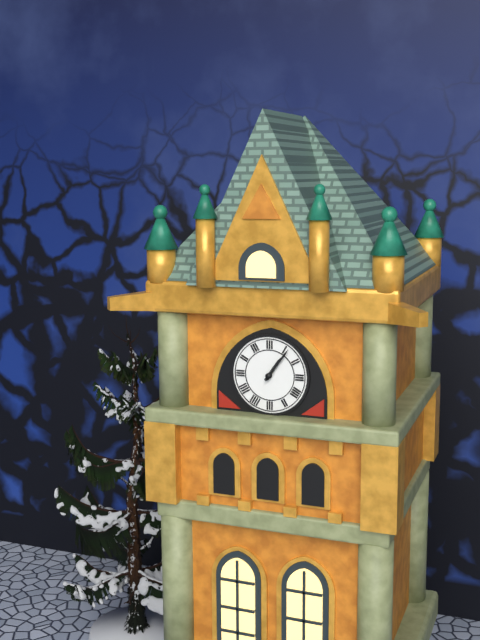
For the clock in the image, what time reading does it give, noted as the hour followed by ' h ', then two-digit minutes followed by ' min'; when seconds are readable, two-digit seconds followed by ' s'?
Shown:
1 h 06 min
